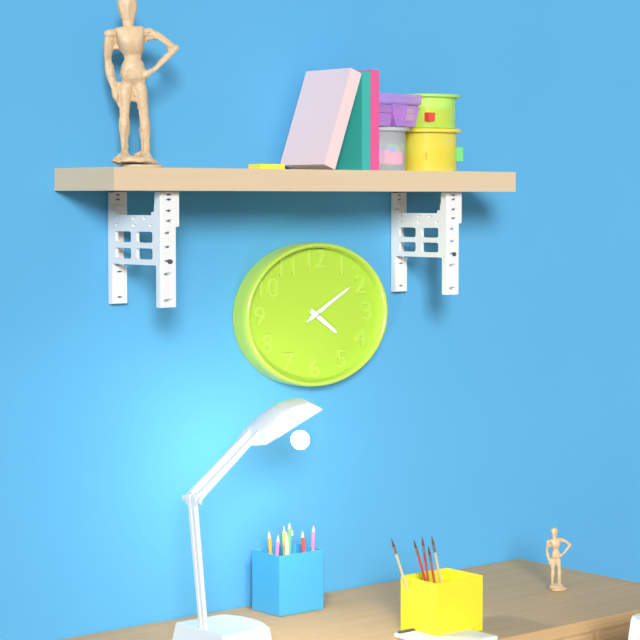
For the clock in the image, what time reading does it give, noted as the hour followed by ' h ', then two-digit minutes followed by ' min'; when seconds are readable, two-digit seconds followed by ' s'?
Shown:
4 h 10 min 10 s
